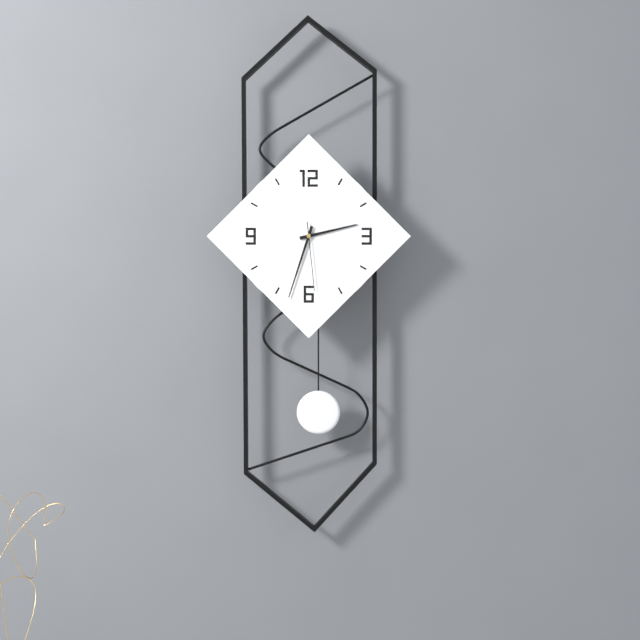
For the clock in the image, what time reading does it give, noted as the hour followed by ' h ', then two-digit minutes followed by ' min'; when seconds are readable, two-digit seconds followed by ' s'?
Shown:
2 h 33 min 29 s
